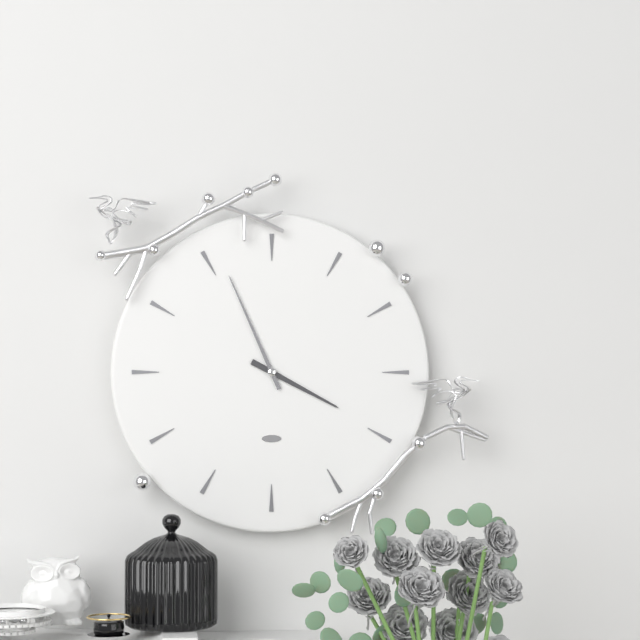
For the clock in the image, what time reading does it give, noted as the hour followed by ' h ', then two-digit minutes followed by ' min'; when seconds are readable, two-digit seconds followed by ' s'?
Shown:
3 h 56 min
